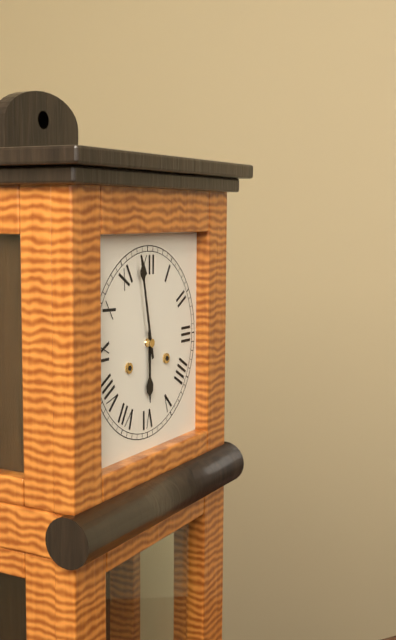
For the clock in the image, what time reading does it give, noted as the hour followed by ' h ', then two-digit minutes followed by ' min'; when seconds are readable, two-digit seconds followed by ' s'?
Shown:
5 h 58 min
